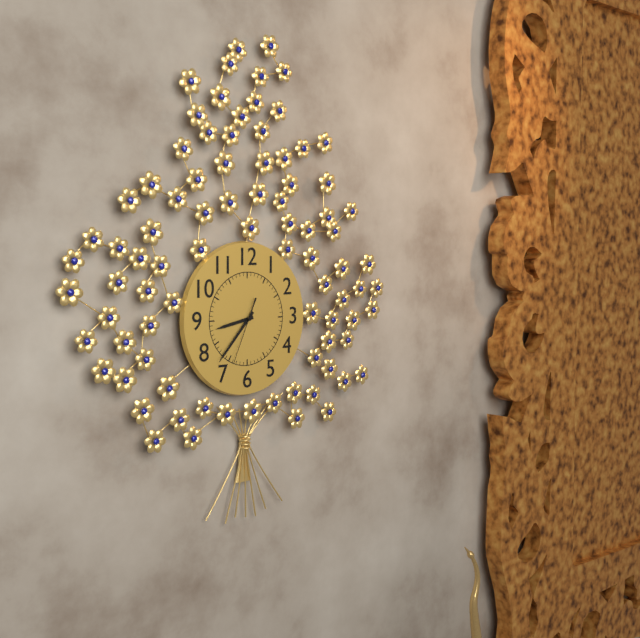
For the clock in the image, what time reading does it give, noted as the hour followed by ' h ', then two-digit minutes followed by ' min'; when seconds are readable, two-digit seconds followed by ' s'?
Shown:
8 h 37 min 34 s
